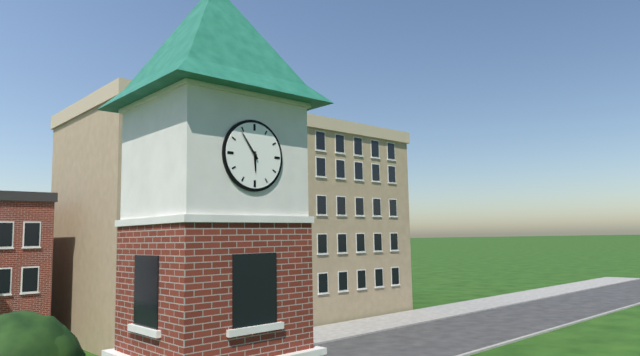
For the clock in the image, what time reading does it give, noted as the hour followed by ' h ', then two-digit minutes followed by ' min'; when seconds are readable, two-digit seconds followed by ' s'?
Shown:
5 h 54 min
